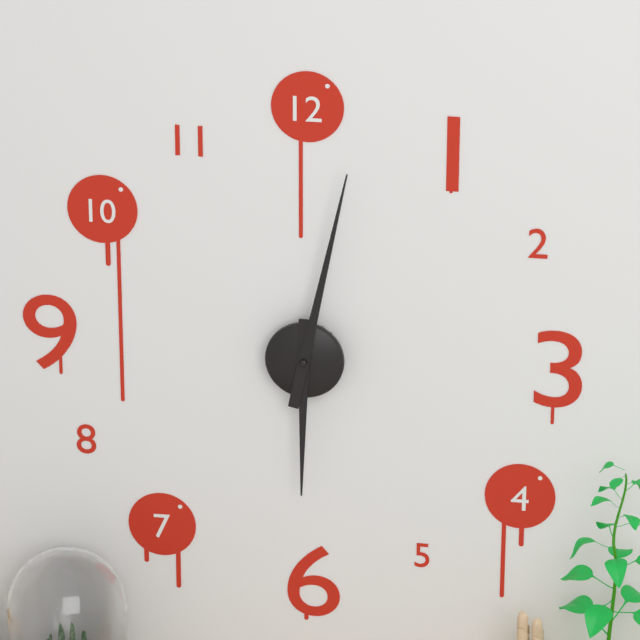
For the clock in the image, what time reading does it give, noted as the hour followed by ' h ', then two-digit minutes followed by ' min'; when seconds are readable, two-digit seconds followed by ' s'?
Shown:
6 h 02 min
